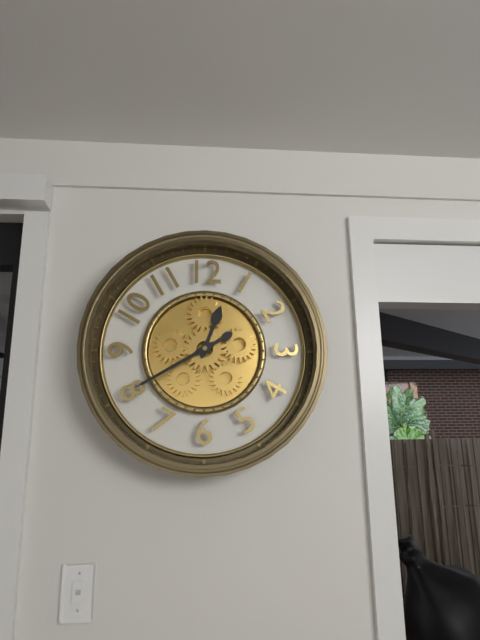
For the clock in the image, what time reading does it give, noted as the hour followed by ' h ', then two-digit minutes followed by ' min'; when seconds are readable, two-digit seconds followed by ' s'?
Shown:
12 h 40 min
